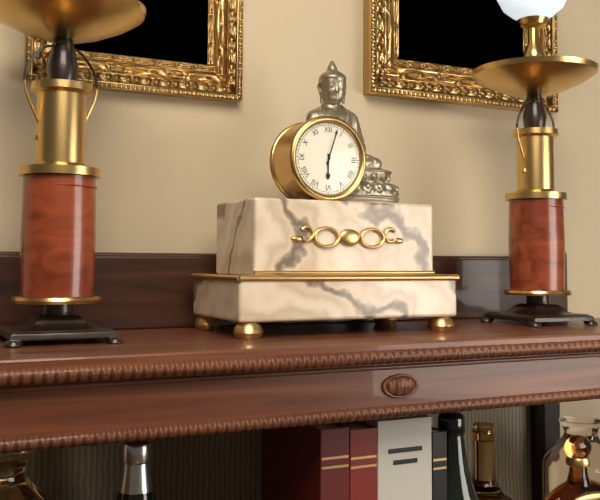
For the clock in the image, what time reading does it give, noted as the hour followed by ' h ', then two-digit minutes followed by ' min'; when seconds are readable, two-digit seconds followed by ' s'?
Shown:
6 h 03 min
